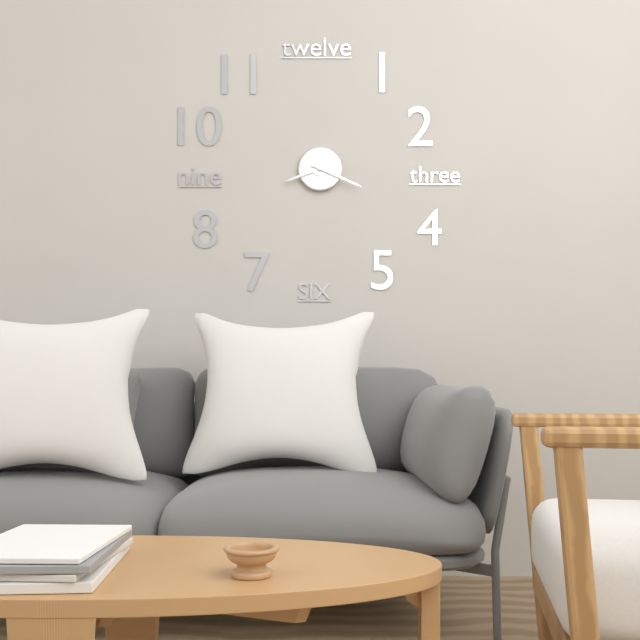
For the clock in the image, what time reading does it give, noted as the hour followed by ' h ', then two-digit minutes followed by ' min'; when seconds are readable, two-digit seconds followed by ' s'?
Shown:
8 h 19 min
